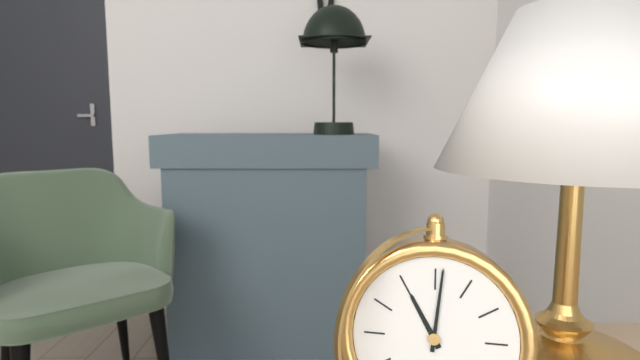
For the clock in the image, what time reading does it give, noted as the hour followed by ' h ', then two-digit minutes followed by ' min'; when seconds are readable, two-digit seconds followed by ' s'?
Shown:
11 h 01 min
